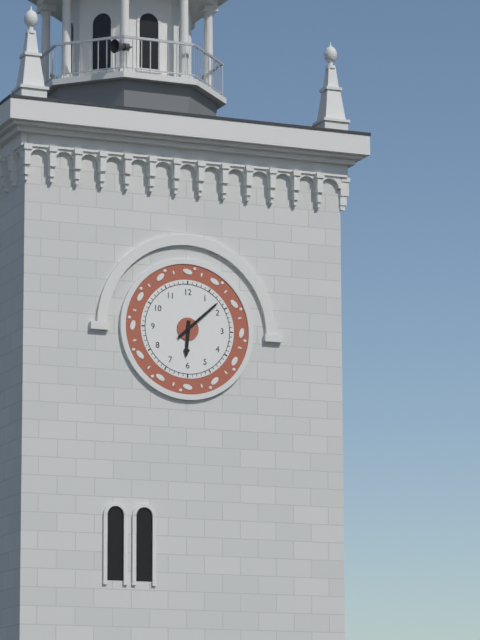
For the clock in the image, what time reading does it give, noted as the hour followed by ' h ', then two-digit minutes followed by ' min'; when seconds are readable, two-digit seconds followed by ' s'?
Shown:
6 h 08 min
